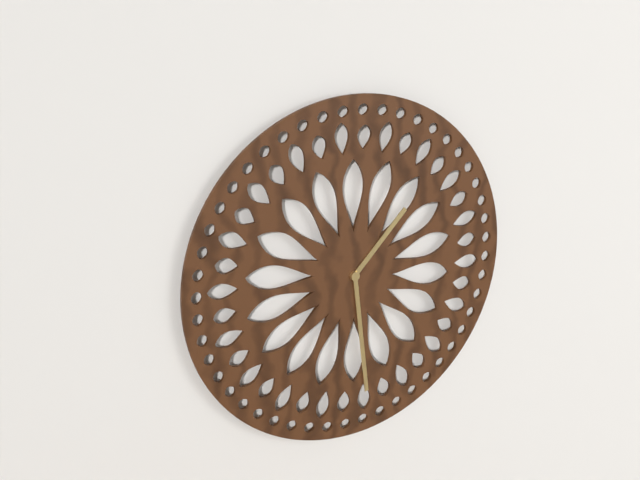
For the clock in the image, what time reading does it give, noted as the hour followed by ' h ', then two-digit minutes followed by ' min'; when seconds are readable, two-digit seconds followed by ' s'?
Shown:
1 h 29 min
